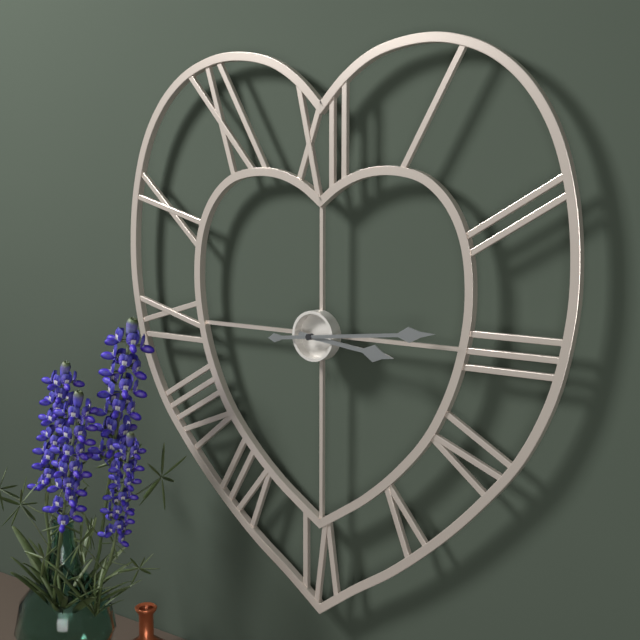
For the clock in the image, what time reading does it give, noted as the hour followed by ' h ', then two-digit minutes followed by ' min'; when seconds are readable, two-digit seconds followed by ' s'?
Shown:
3 h 14 min
